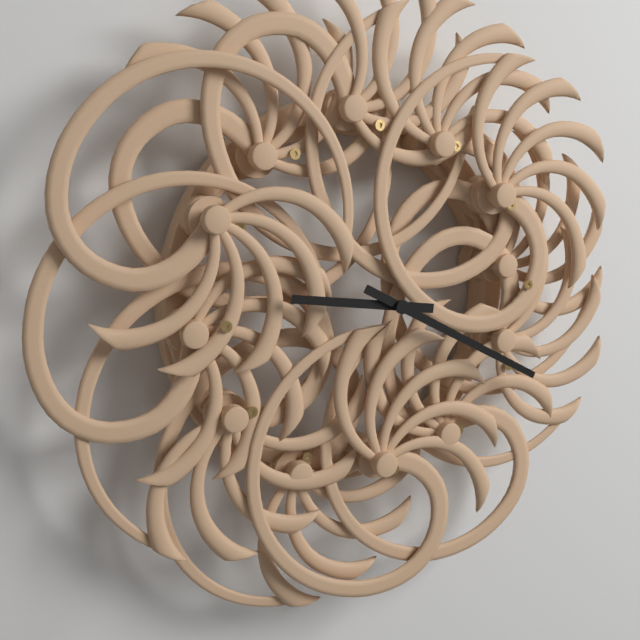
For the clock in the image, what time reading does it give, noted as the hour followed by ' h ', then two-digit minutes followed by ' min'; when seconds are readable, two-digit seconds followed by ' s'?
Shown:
9 h 20 min
